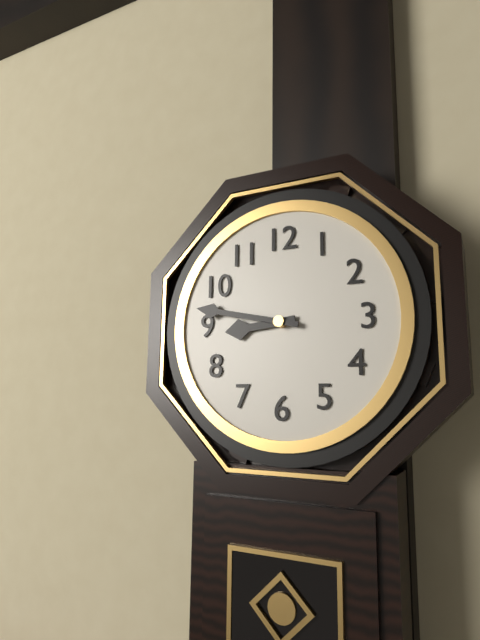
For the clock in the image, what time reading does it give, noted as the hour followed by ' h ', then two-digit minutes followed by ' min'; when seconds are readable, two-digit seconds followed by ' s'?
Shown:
8 h 47 min
